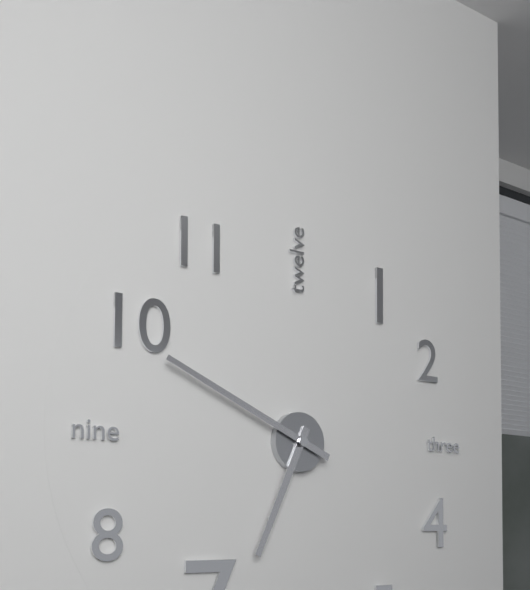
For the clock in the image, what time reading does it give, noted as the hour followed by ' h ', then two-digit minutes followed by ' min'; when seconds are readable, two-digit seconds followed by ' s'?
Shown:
6 h 49 min
